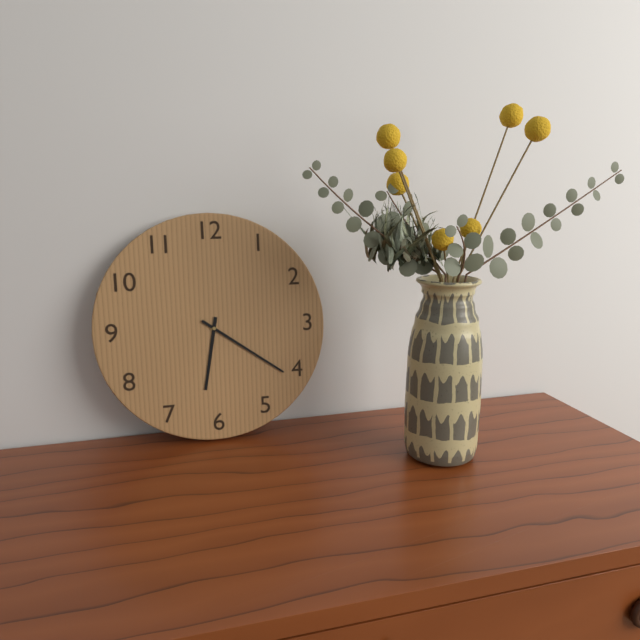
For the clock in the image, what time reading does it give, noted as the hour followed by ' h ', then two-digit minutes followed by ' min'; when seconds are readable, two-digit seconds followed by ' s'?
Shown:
6 h 21 min
